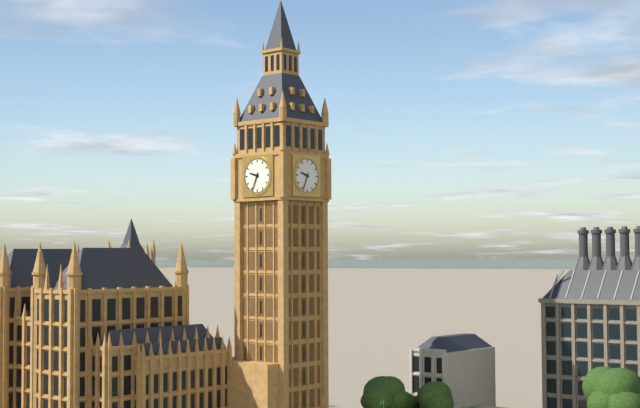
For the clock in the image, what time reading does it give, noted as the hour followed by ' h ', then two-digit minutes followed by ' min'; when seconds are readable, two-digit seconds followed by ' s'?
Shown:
9 h 34 min
